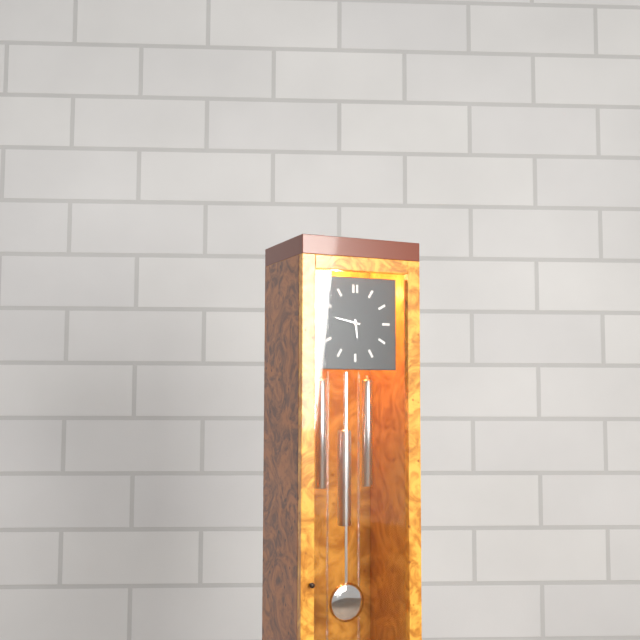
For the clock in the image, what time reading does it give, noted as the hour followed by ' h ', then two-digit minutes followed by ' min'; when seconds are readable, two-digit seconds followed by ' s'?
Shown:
5 h 47 min
